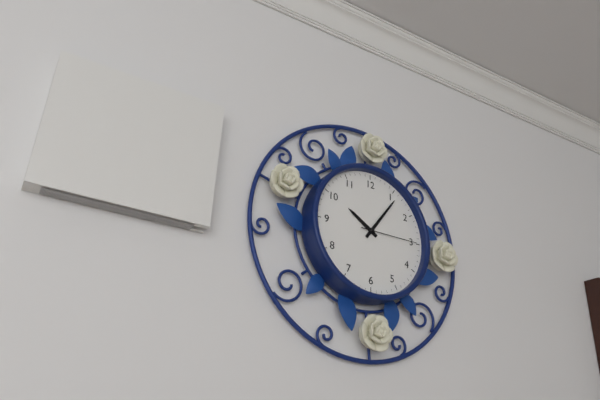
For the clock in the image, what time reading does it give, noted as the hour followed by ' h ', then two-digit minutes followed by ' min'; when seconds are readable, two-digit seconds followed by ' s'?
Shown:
10 h 06 min 15 s
